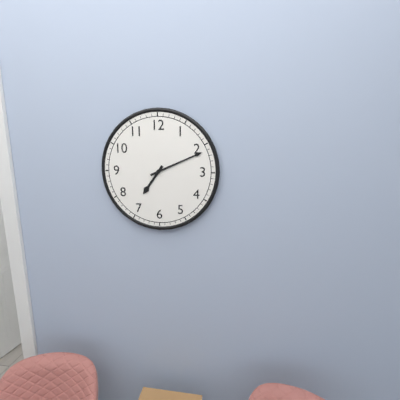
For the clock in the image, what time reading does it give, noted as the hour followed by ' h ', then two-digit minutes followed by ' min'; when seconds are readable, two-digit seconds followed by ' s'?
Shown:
7 h 11 min
